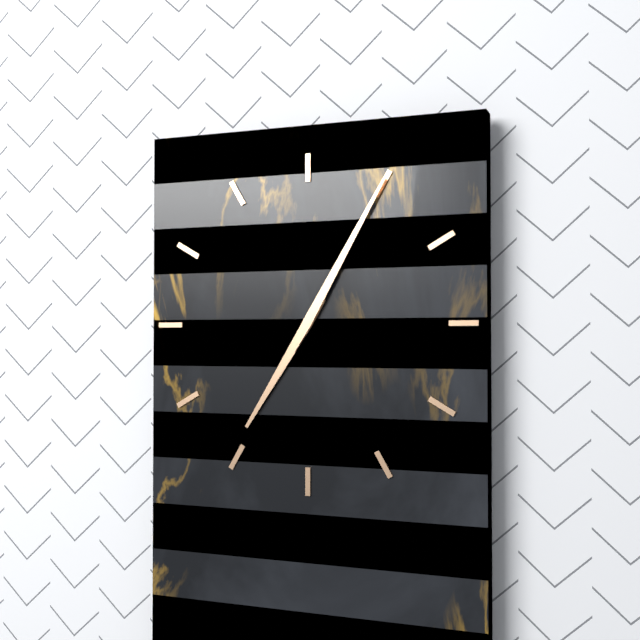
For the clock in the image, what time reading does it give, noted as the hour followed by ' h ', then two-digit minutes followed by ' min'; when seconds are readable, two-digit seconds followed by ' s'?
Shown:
7 h 05 min
